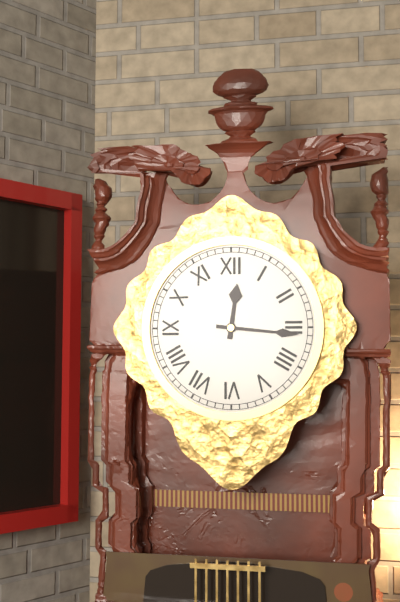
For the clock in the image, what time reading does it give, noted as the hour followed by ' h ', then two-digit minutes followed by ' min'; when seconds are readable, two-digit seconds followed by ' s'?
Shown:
12 h 16 min
